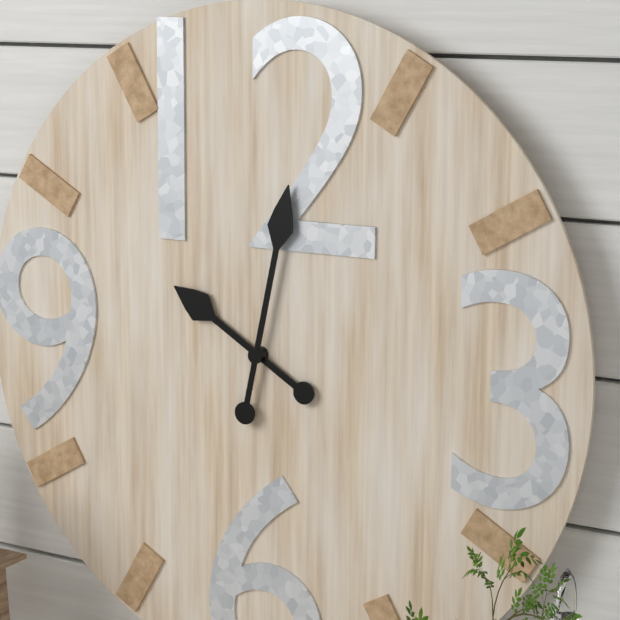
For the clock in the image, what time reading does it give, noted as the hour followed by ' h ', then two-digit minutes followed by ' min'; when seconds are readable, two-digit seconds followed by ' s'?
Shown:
10 h 02 min
